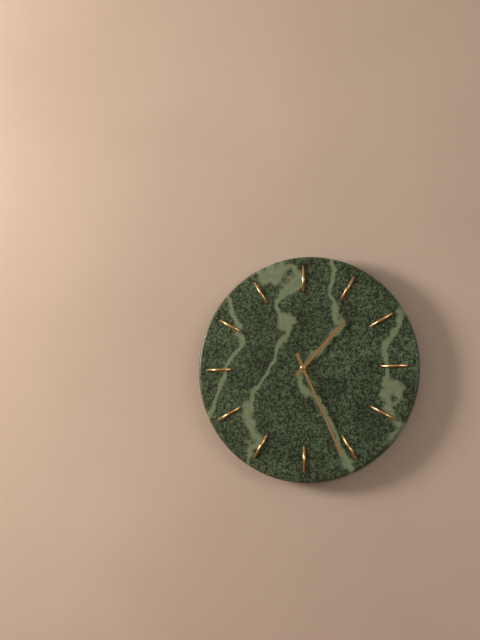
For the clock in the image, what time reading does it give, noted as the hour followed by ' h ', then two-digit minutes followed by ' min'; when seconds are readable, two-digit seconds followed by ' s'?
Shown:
1 h 26 min
